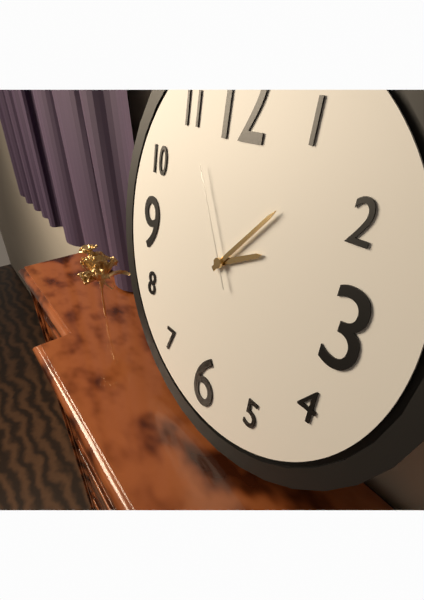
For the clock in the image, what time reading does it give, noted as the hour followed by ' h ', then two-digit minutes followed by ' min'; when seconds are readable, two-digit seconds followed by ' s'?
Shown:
2 h 07 min 55 s
